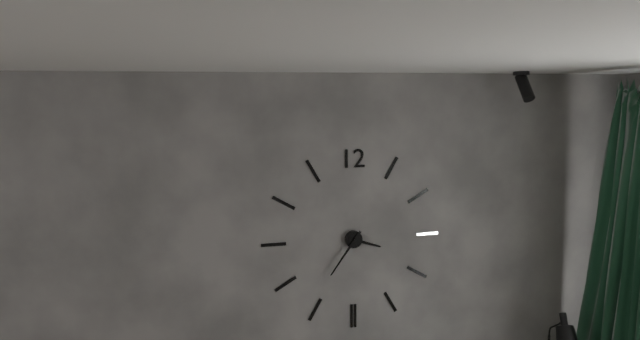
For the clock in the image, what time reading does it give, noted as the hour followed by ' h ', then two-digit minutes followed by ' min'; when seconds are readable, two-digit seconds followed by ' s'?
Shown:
3 h 36 min
